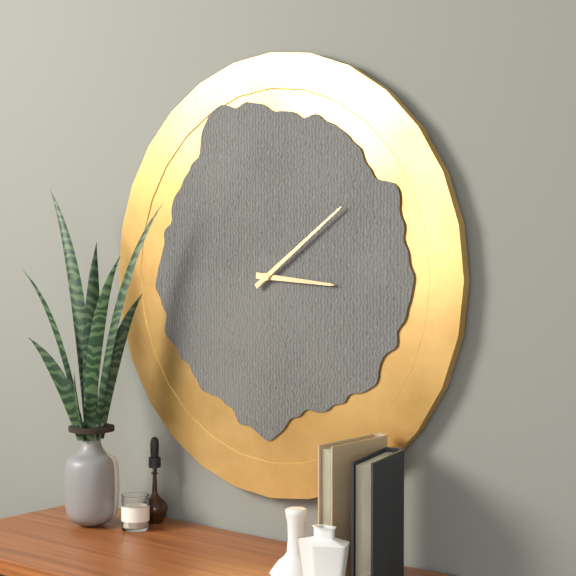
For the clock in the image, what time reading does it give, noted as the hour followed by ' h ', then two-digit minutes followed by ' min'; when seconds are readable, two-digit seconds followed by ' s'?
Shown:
3 h 09 min
